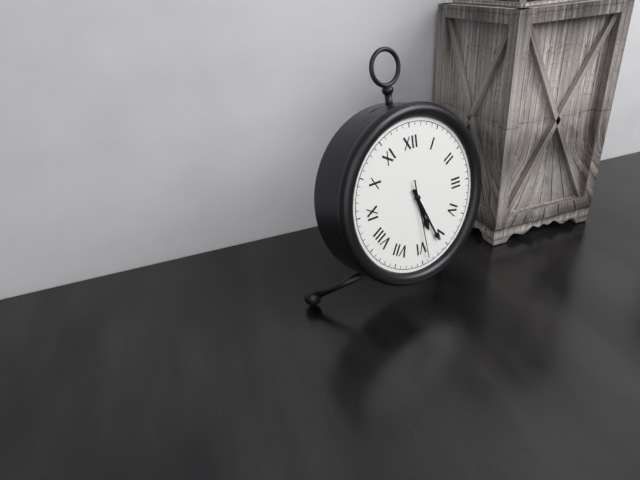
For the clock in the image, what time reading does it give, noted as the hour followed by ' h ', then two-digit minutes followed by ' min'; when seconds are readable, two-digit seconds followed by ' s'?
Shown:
5 h 26 min 29 s
